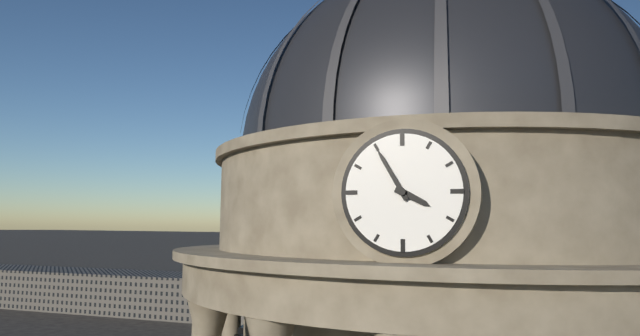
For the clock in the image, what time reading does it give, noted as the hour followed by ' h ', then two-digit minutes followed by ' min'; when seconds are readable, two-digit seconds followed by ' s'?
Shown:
3 h 55 min
